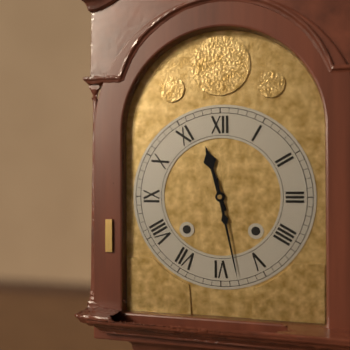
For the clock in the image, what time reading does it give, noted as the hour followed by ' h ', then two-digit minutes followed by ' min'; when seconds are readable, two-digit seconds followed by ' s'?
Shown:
11 h 28 min
